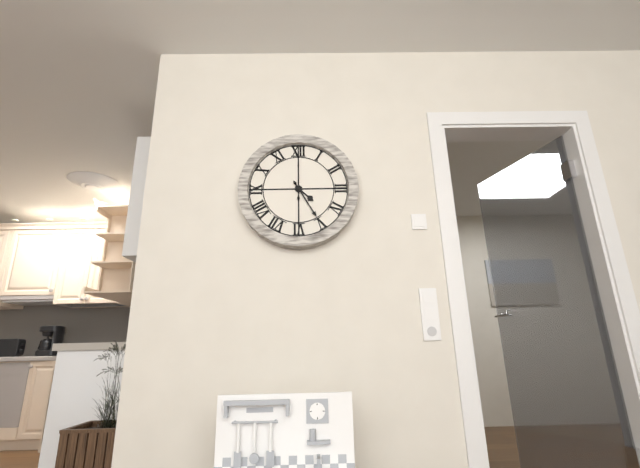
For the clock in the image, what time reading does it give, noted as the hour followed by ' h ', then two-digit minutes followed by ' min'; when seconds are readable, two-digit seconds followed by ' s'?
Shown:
4 h 25 min
